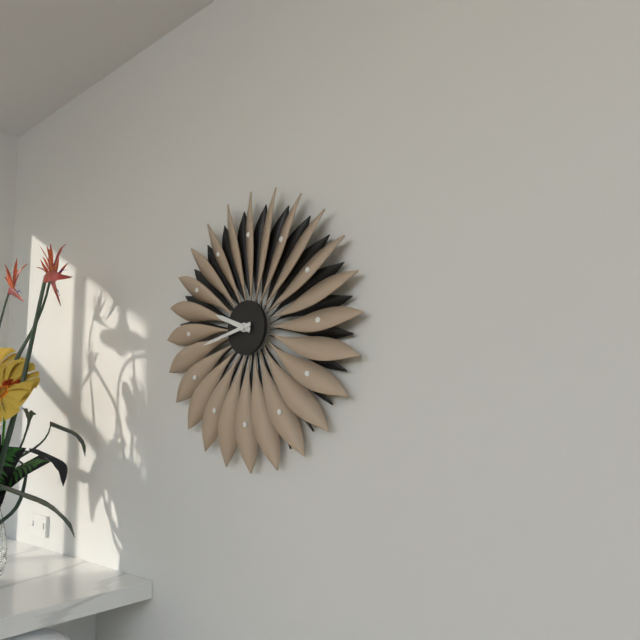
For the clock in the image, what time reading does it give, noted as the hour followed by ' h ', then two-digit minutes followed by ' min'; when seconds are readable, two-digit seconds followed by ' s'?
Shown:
9 h 43 min
